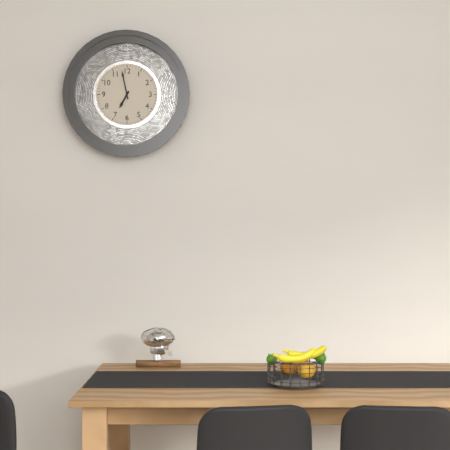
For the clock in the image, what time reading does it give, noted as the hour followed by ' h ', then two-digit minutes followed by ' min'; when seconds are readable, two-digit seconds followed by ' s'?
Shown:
6 h 58 min
